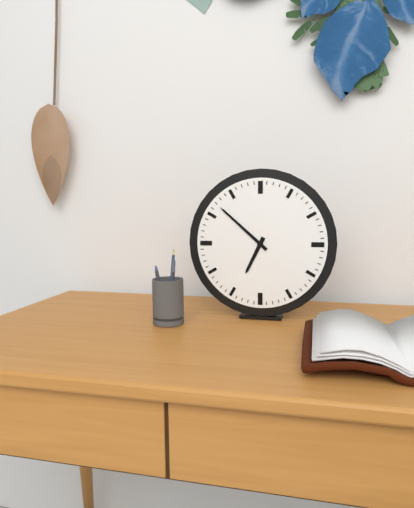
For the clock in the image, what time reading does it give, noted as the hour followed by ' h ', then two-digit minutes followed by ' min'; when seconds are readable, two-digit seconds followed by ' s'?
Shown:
6 h 52 min
